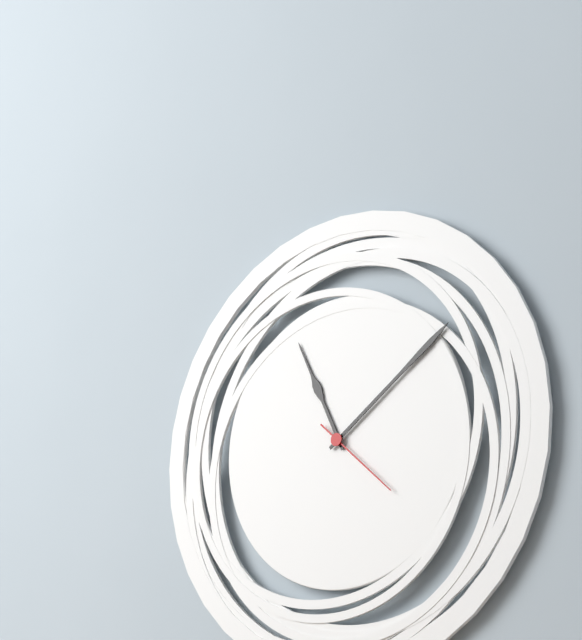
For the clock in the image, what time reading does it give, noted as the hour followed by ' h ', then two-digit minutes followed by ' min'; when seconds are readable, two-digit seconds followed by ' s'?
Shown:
11 h 09 min 22 s
